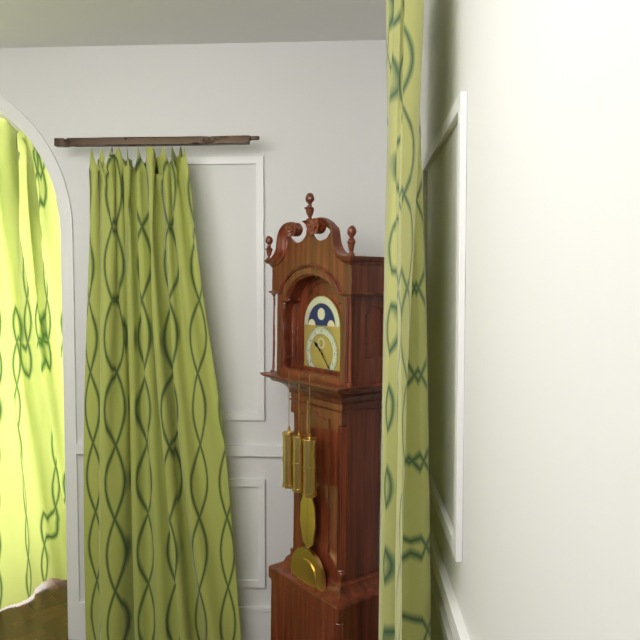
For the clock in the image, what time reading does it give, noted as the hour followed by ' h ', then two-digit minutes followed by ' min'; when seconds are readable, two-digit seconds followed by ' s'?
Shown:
10 h 23 min
